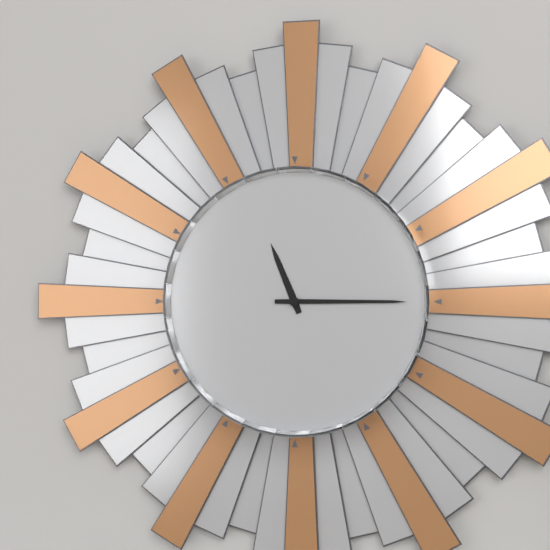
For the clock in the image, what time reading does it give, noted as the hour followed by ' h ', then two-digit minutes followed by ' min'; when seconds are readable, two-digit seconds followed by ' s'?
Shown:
11 h 15 min
